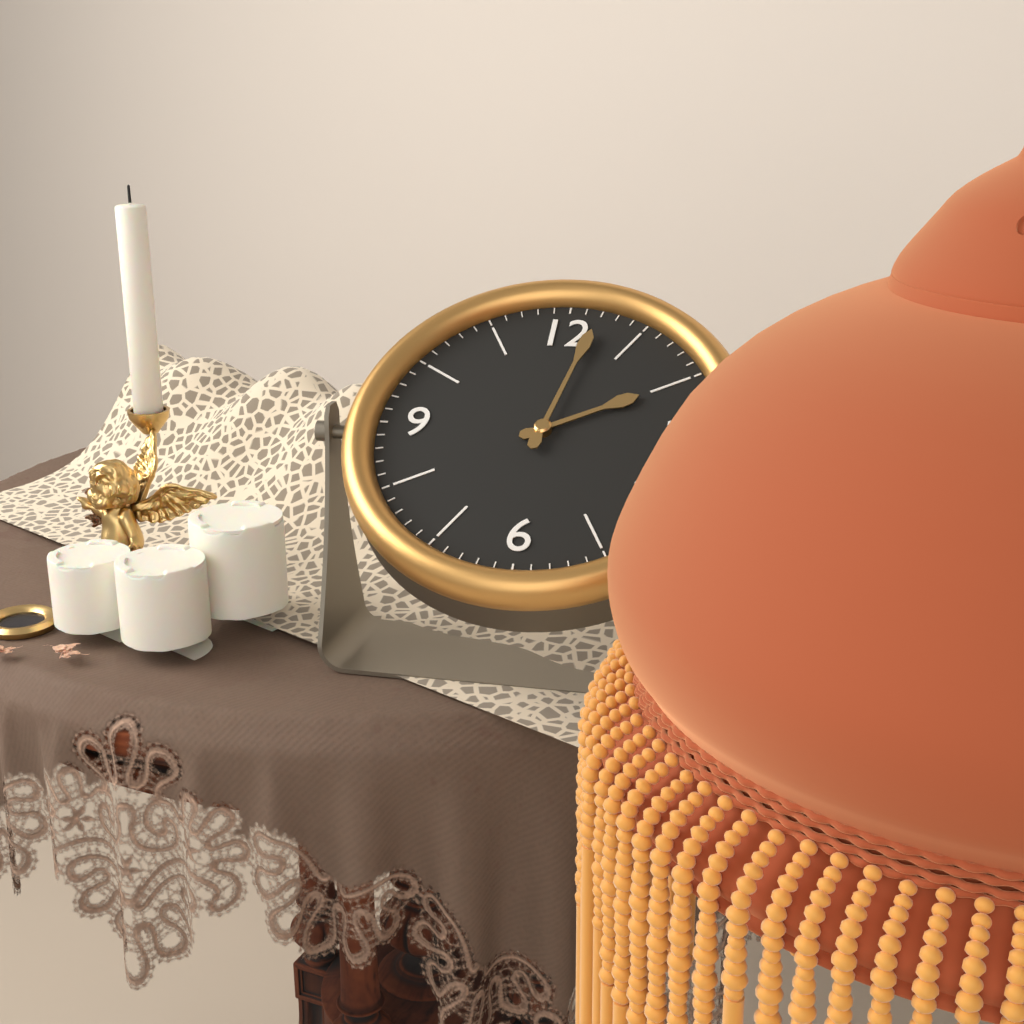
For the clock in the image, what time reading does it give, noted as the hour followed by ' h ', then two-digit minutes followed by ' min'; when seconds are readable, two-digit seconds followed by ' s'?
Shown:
2 h 02 min
